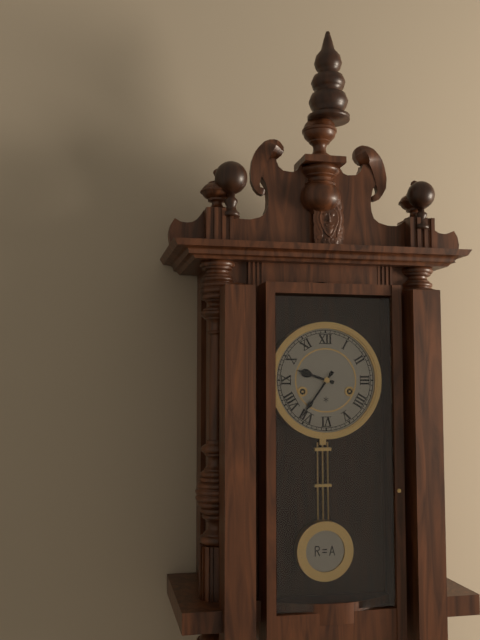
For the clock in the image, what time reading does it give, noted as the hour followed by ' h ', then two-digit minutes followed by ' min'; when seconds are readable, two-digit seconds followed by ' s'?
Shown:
9 h 36 min
